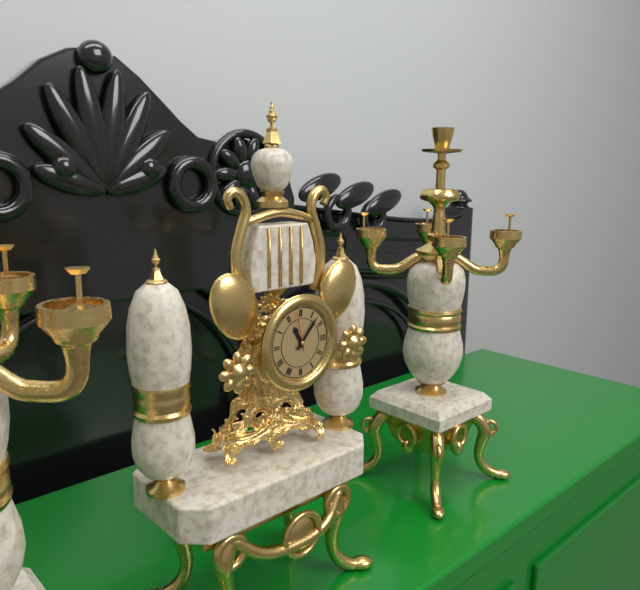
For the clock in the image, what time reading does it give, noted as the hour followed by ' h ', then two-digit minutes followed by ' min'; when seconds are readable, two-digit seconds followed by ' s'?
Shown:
11 h 07 min
